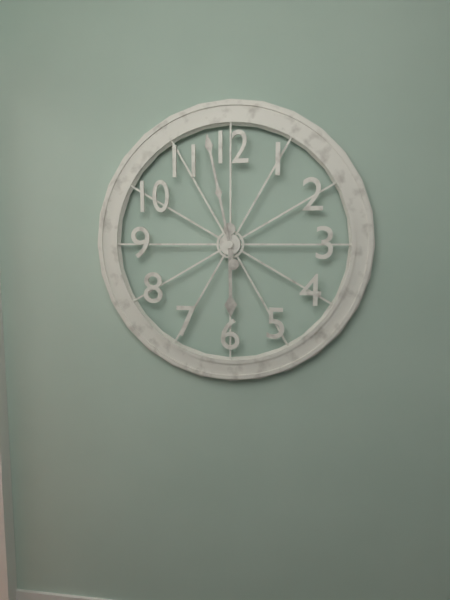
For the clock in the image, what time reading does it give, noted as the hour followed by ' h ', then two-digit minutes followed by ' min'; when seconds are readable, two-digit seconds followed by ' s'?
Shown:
5 h 58 min
